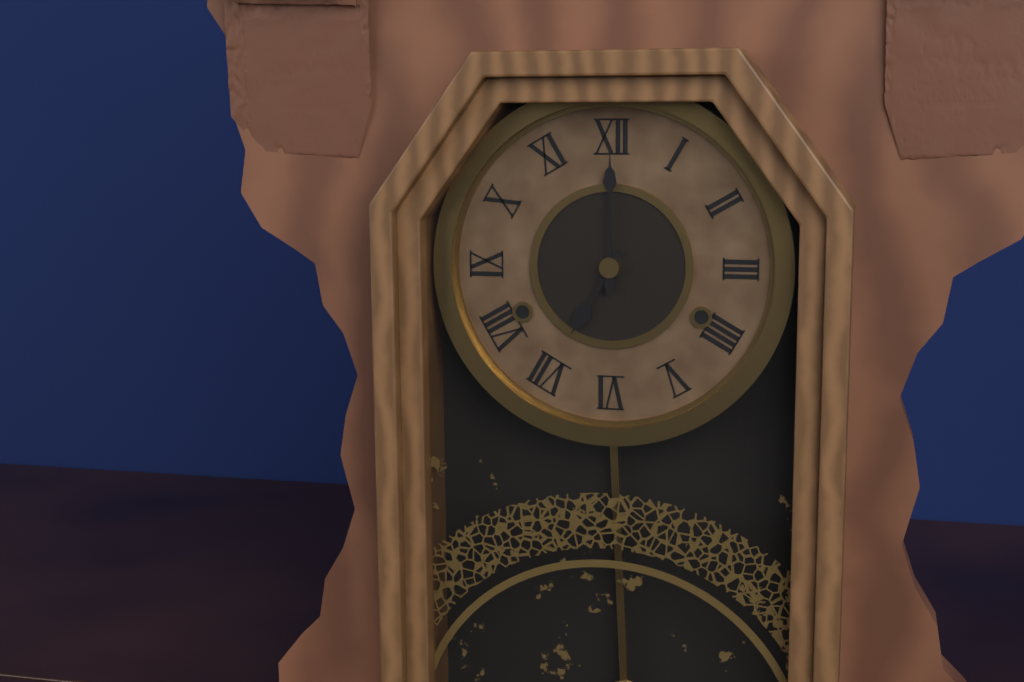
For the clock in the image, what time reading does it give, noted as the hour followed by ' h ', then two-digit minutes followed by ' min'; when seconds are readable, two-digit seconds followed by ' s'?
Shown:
7 h 00 min
